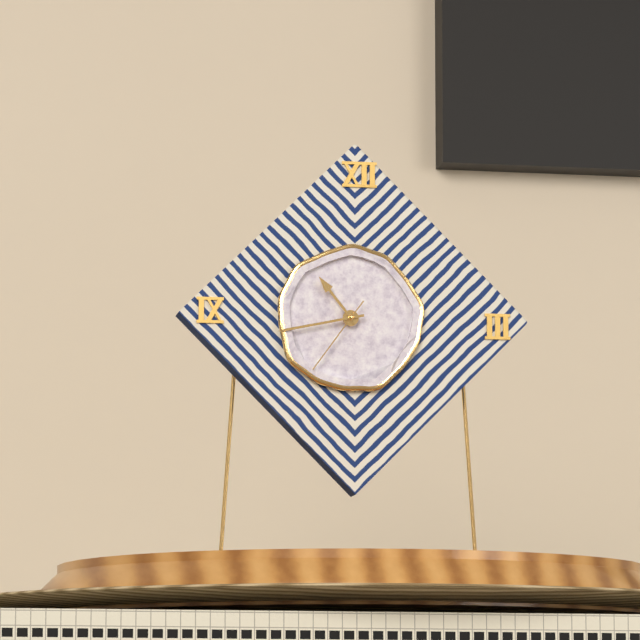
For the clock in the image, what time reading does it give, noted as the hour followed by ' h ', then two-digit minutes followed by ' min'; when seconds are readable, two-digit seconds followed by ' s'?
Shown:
10 h 43 min 36 s
